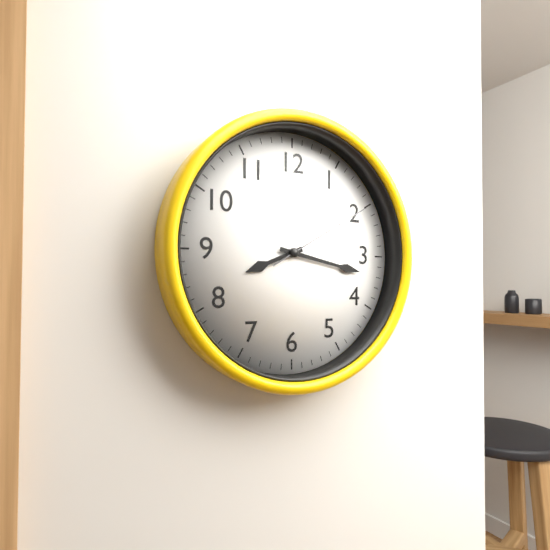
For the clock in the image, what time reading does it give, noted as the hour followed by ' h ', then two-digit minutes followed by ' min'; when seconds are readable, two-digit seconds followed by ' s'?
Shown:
8 h 17 min 10 s
